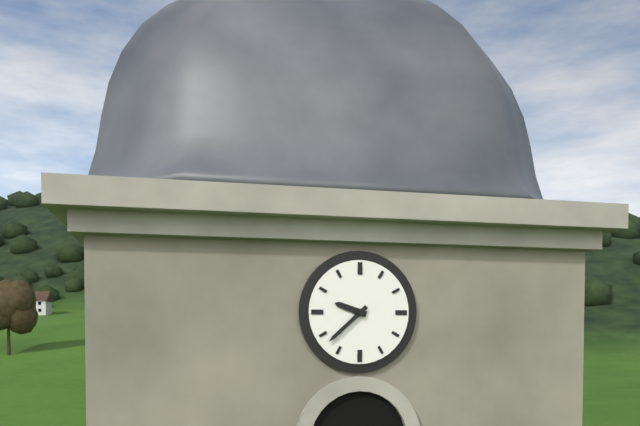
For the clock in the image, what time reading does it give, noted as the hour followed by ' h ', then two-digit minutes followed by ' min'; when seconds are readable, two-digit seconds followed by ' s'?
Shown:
9 h 38 min
